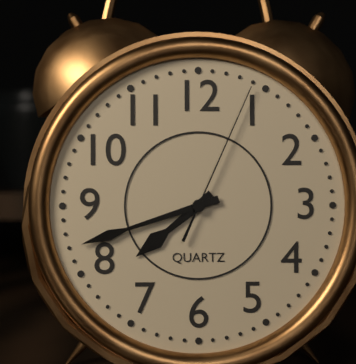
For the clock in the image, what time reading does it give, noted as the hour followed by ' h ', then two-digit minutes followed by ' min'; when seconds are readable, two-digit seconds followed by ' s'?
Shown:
7 h 42 min 04 s
